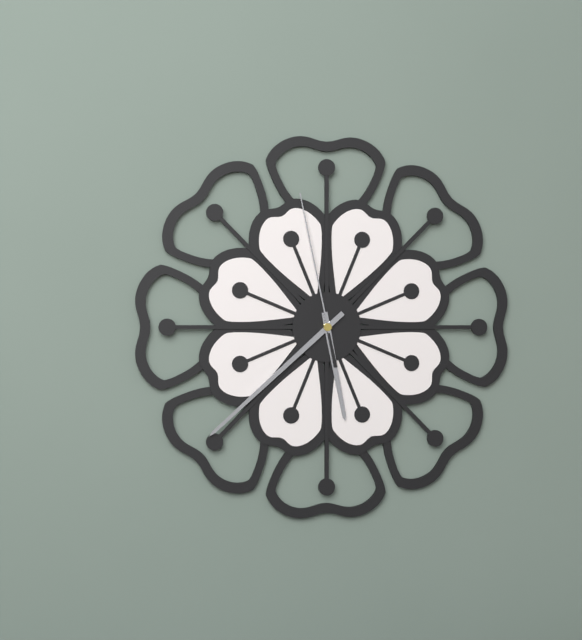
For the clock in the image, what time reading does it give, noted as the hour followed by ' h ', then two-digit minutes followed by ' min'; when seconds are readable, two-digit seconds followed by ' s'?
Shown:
5 h 38 min 58 s
